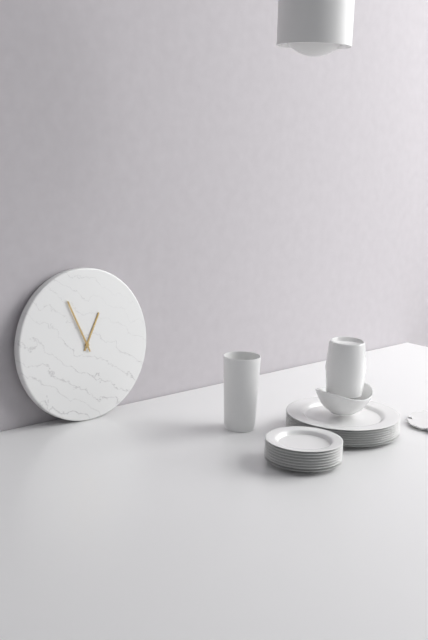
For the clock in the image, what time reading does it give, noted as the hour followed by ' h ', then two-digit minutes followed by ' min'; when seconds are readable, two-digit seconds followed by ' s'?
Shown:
12 h 56 min
